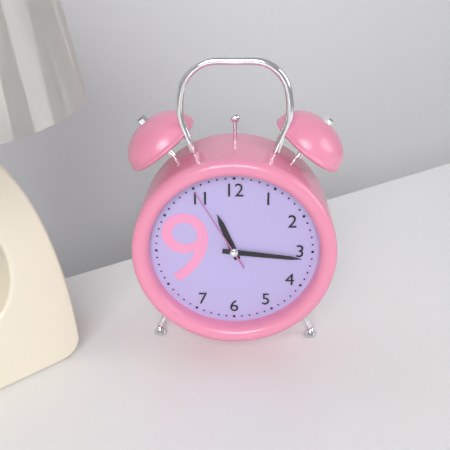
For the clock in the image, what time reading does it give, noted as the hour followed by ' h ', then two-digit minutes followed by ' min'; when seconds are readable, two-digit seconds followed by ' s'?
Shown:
11 h 16 min 55 s
